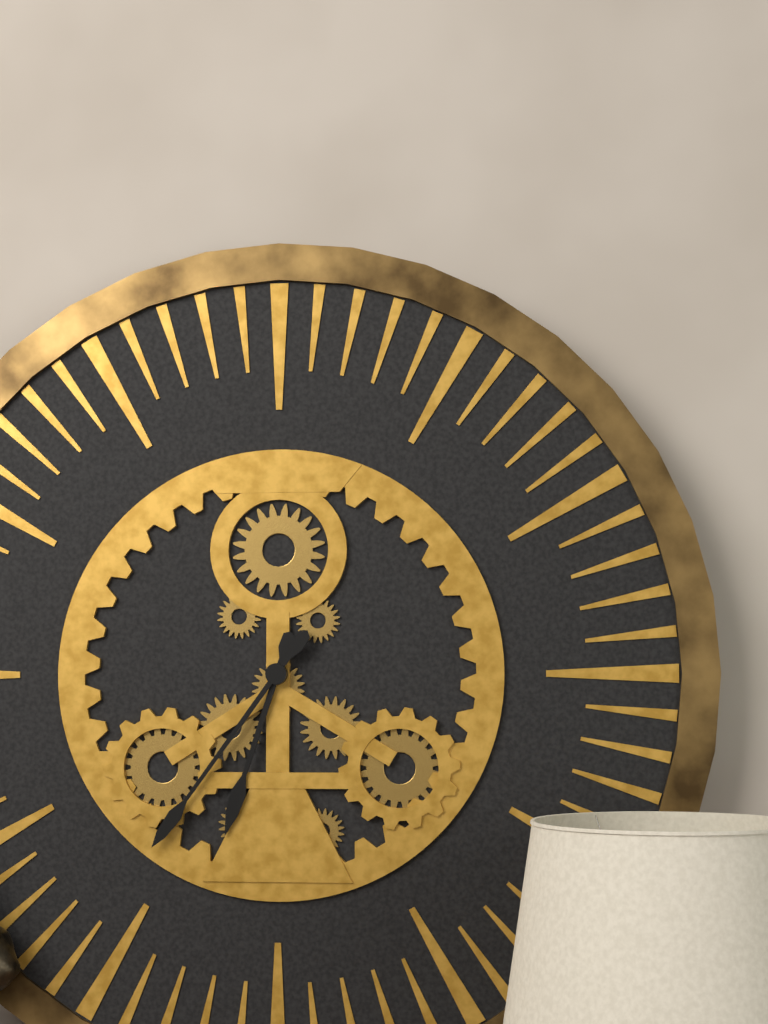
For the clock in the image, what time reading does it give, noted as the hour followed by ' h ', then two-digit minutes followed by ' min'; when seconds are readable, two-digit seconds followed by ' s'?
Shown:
6 h 36 min
